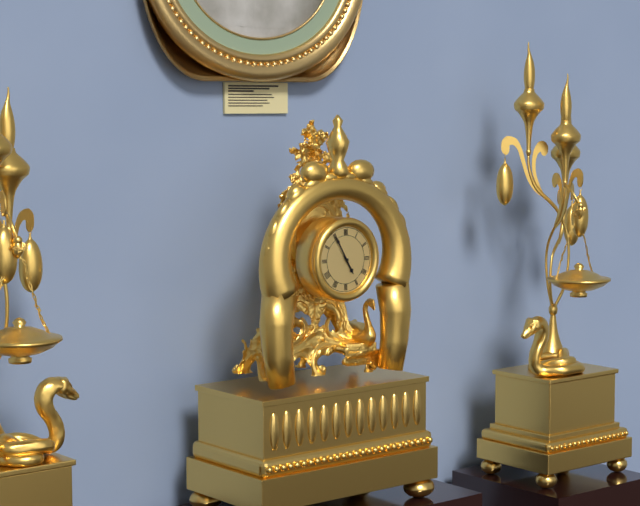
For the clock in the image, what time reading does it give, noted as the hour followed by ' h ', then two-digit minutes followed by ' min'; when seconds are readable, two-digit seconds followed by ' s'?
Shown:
4 h 55 min
